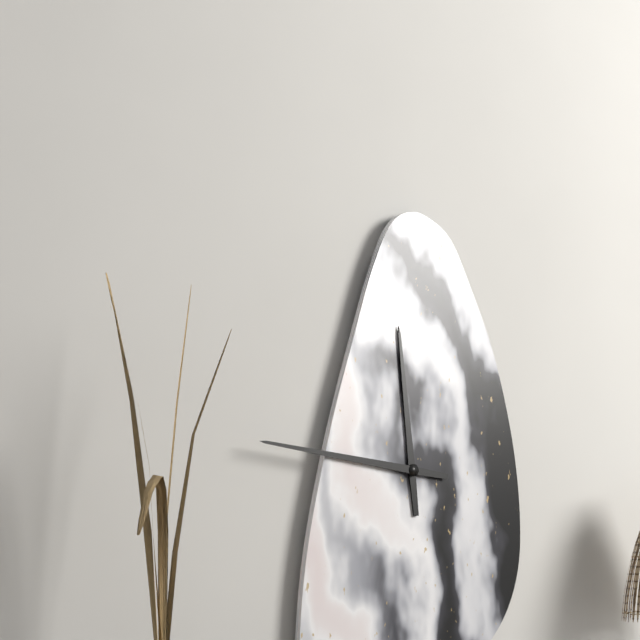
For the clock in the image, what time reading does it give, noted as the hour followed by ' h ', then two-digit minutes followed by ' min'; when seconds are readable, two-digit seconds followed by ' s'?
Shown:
11 h 46 min
